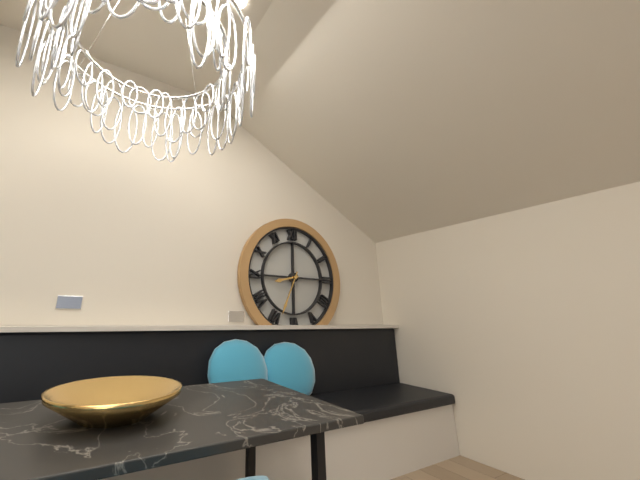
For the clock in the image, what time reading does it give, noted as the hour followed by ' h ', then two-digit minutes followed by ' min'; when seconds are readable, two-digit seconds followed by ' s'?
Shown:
8 h 34 min
